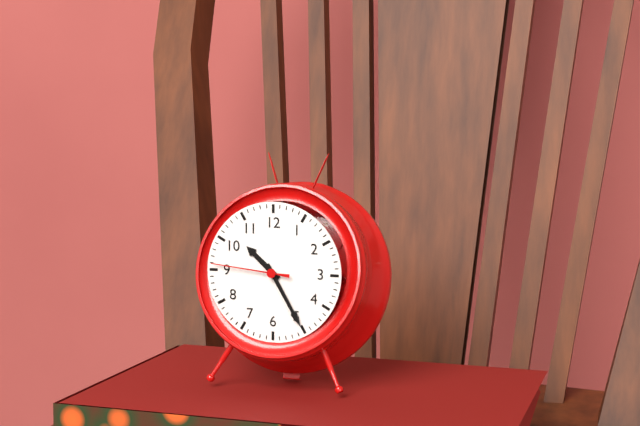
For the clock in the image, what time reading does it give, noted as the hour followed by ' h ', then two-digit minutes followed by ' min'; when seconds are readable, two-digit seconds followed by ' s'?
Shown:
10 h 25 min 46 s
